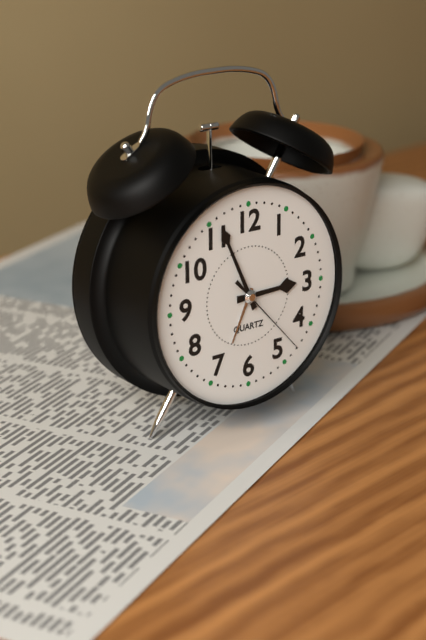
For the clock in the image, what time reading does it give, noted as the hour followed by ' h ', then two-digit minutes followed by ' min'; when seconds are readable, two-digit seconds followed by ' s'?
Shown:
2 h 56 min 23 s
